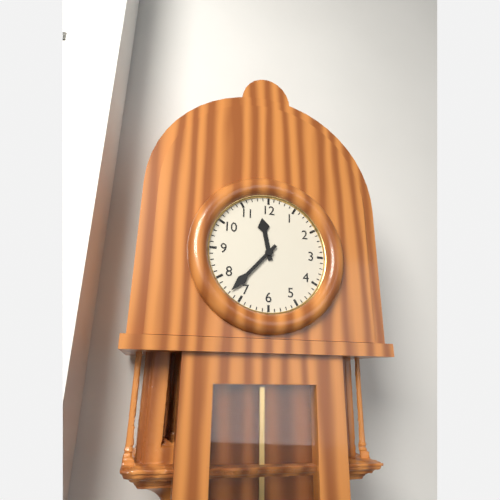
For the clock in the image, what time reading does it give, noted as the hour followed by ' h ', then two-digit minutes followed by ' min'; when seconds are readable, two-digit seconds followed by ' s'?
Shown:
11 h 37 min
